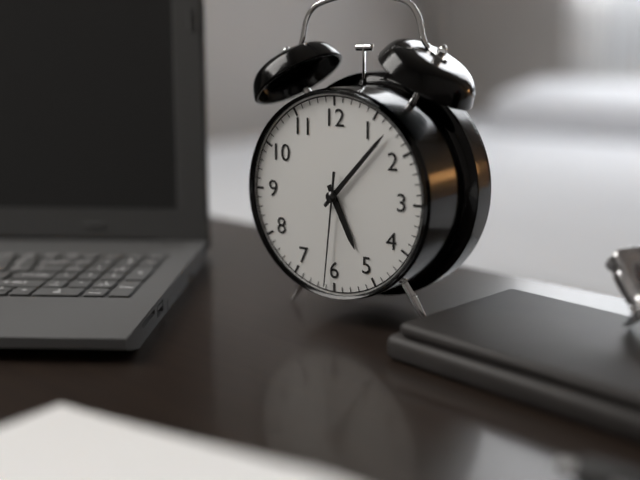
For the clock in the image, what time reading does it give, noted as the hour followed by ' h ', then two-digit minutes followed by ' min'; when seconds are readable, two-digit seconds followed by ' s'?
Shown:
5 h 07 min 31 s
